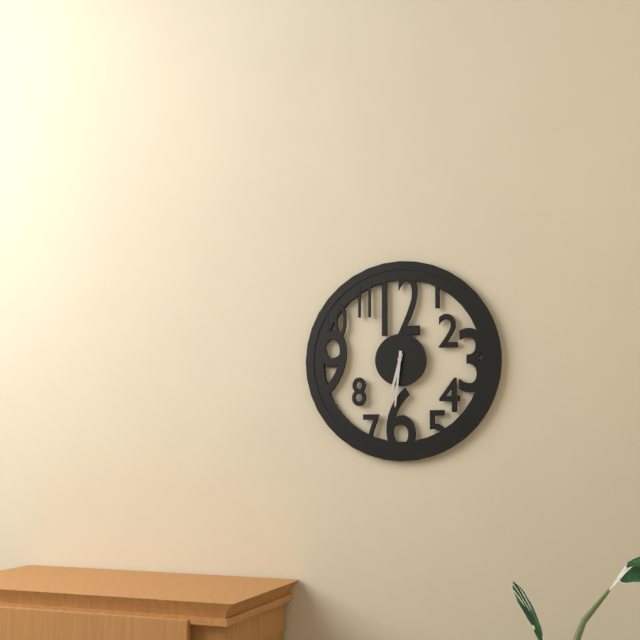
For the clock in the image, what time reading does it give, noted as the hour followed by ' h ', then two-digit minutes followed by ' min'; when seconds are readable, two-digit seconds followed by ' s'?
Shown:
6 h 31 min
